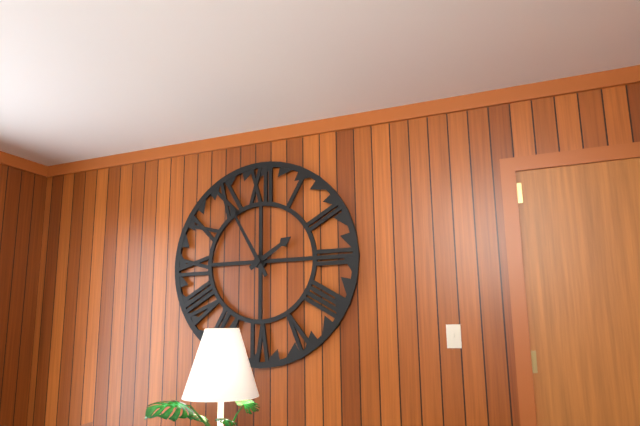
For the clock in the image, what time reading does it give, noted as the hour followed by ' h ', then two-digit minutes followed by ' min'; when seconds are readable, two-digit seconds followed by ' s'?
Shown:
1 h 55 min
